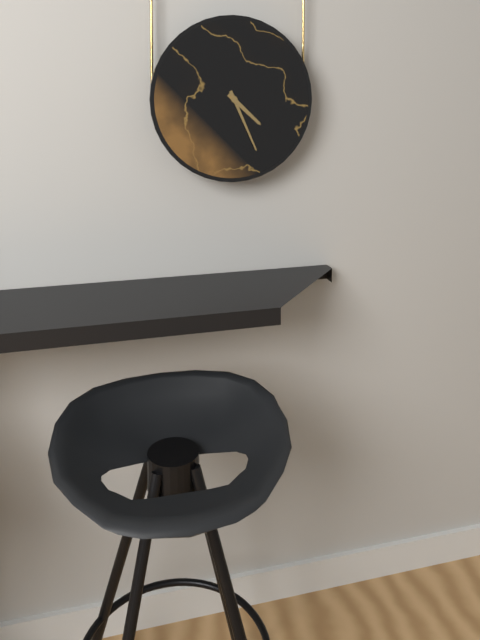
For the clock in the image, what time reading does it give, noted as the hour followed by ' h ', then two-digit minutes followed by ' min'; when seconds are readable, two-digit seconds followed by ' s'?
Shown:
4 h 26 min
